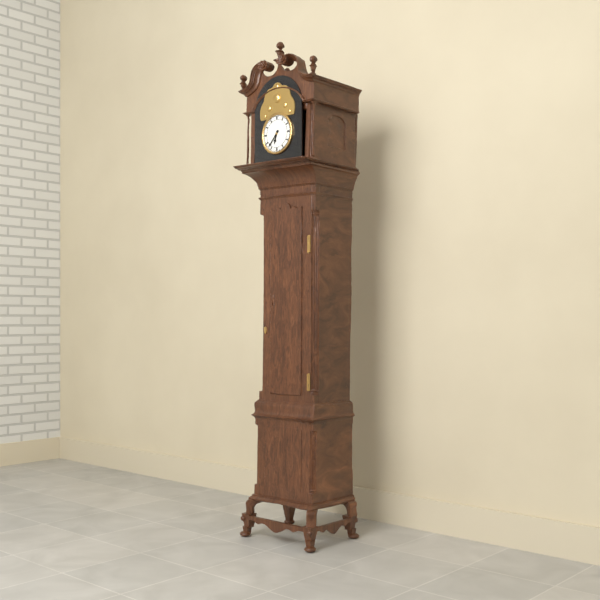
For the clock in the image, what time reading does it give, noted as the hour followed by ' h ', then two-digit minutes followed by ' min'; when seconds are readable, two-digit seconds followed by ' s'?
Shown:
6 h 37 min
